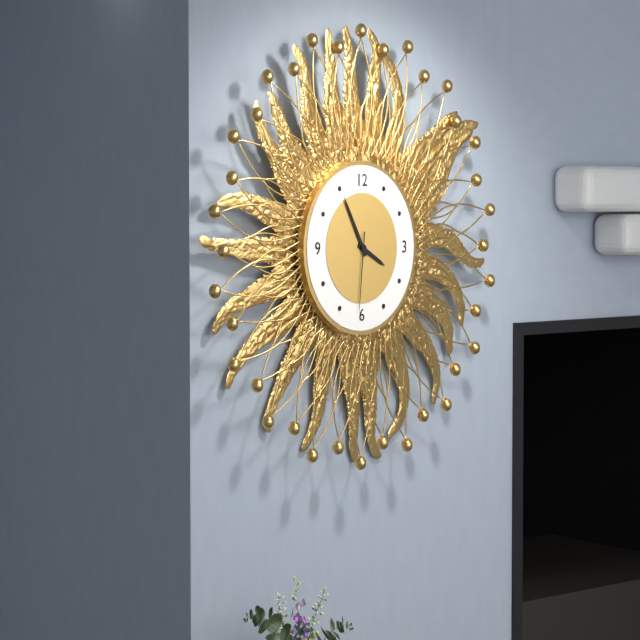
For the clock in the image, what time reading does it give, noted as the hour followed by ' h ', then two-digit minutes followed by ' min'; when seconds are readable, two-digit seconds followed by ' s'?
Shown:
3 h 55 min 31 s
